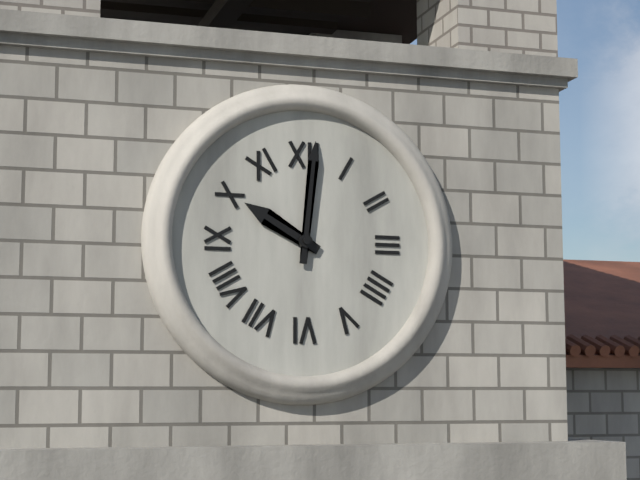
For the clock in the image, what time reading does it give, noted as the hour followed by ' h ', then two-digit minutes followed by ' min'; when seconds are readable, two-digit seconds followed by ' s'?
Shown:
10 h 01 min
